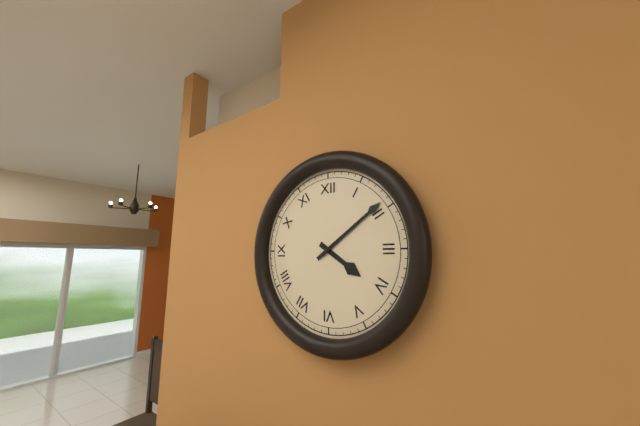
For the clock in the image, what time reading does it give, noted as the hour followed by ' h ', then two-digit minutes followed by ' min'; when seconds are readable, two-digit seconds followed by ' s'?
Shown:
4 h 09 min
